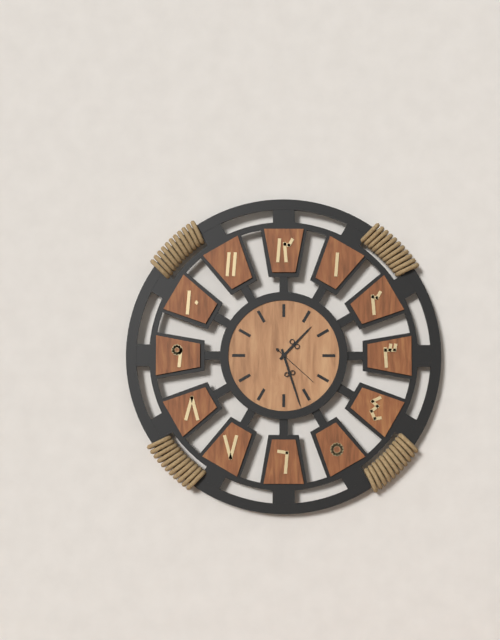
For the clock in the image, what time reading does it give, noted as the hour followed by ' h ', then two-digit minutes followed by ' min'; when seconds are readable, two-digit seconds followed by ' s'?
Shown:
1 h 27 min
